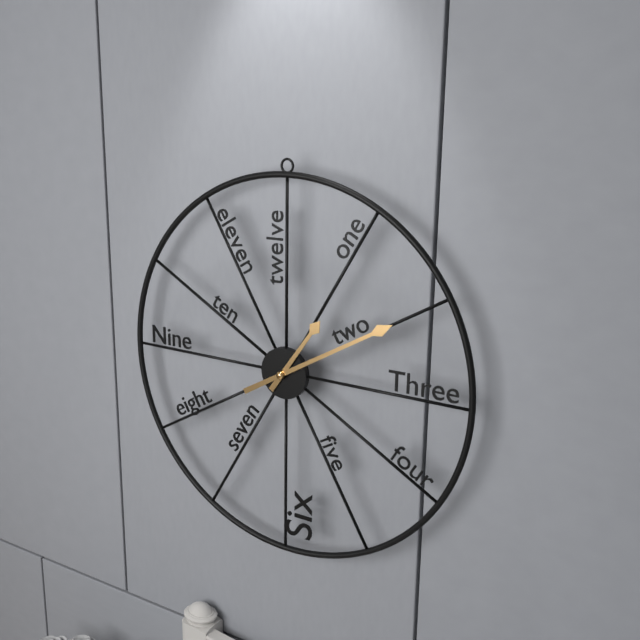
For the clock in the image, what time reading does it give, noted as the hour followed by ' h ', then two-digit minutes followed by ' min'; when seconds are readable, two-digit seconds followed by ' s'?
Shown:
1 h 10 min
